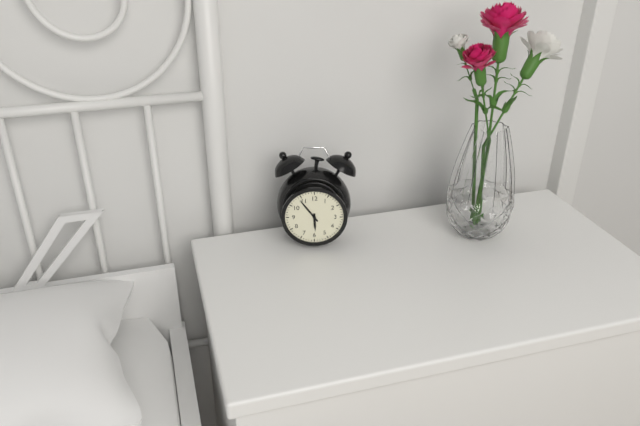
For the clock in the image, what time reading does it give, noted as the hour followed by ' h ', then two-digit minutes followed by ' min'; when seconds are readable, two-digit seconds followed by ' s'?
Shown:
5 h 54 min
